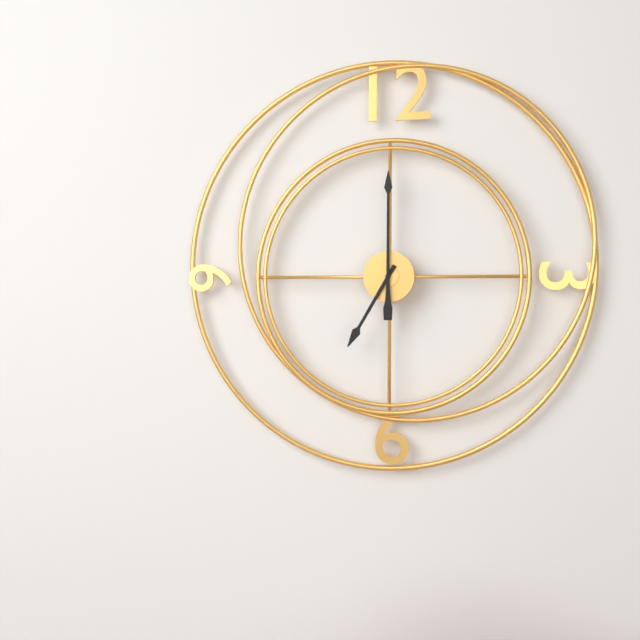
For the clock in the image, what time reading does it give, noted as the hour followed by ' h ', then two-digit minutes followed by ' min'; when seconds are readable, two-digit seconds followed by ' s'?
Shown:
7 h 00 min
